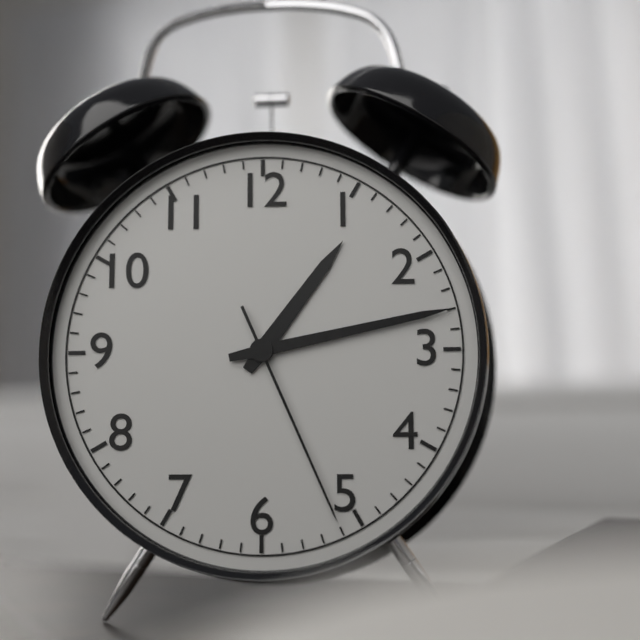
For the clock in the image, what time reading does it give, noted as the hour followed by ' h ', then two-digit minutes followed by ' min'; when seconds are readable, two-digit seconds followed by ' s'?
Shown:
1 h 13 min 26 s
